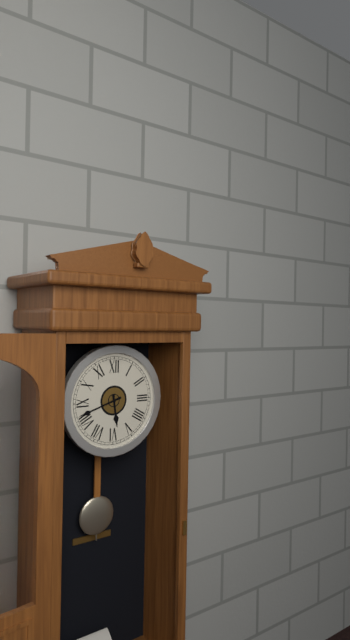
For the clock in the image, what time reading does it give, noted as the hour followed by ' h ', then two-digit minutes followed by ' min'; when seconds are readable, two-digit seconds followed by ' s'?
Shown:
5 h 42 min
